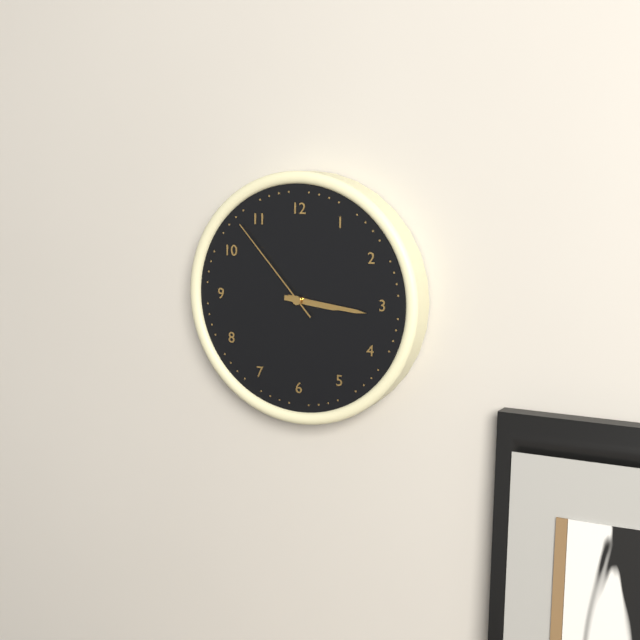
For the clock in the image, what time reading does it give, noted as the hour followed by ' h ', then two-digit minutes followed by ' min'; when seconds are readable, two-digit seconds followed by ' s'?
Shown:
3 h 16 min 53 s
